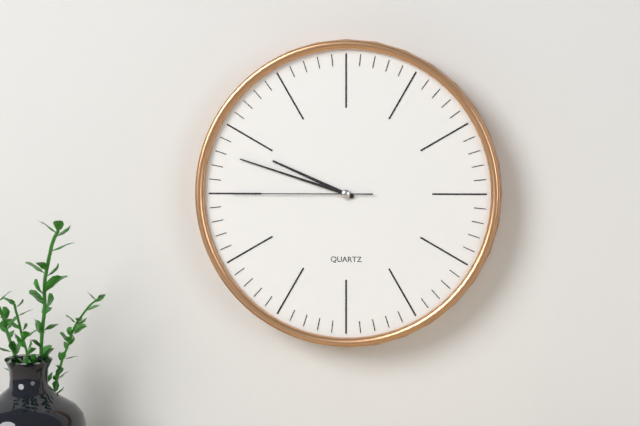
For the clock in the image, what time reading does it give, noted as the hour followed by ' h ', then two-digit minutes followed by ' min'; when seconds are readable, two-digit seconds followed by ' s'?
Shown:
9 h 48 min 45 s
